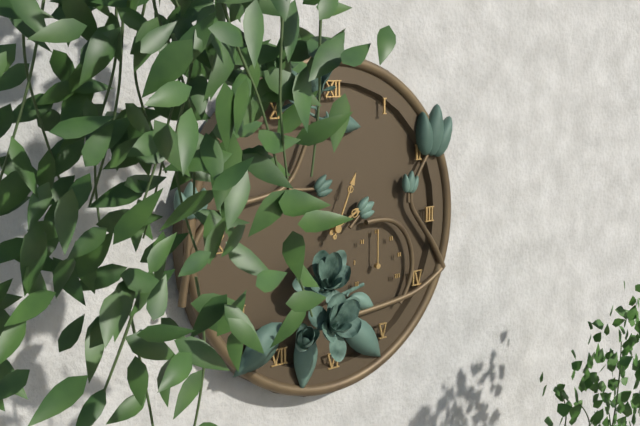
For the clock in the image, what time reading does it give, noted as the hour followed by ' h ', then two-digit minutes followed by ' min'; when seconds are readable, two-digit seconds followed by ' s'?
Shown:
2 h 04 min
